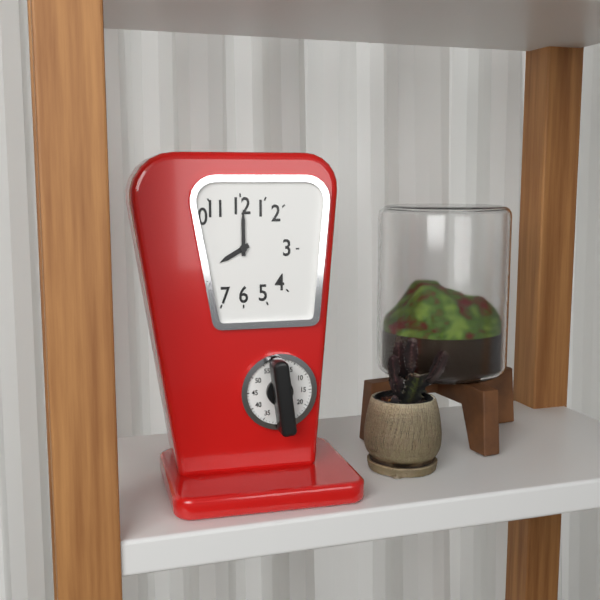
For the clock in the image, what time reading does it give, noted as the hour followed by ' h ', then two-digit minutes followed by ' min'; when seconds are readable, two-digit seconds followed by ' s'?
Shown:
8 h 00 min
